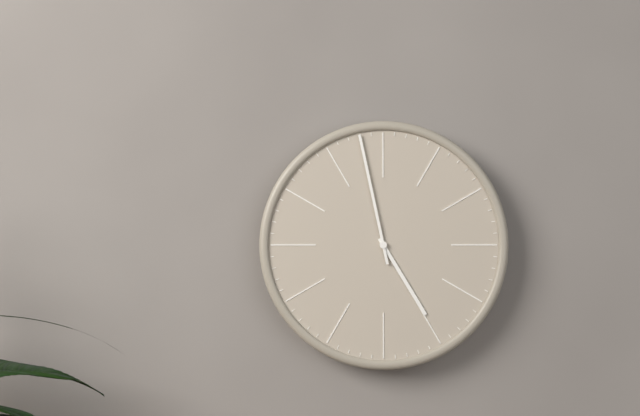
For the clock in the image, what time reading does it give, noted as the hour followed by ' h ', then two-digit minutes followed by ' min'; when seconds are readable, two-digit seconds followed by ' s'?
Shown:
4 h 58 min
